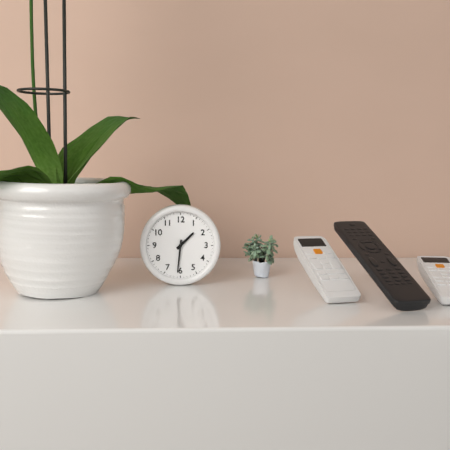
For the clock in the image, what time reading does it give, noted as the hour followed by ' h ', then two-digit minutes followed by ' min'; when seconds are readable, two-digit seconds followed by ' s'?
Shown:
1 h 31 min
